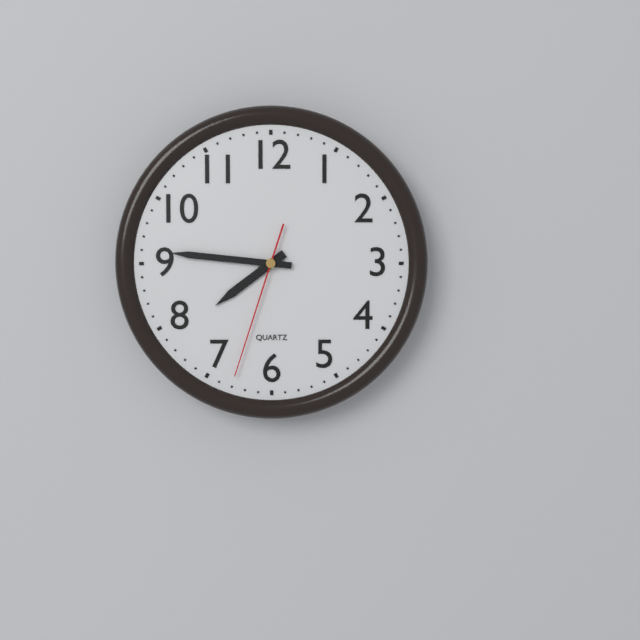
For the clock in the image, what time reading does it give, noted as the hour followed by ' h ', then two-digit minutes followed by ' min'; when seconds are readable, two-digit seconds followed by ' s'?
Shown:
7 h 46 min 33 s
